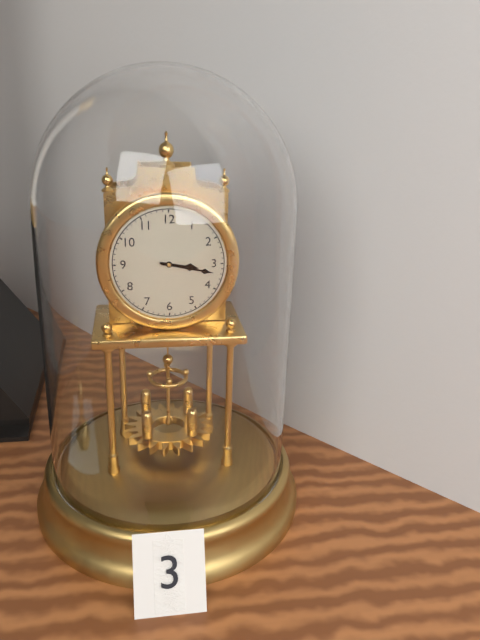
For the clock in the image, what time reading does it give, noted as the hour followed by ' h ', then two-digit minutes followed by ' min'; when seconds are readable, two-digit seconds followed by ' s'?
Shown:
3 h 17 min
